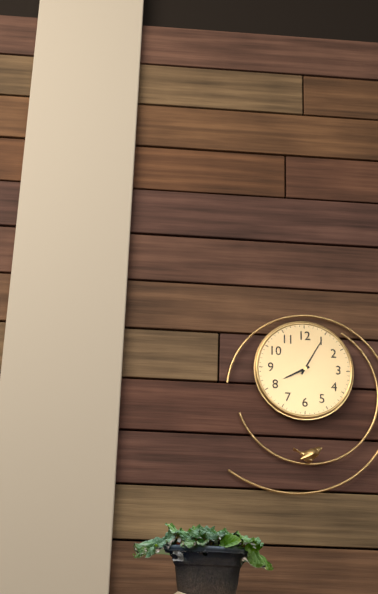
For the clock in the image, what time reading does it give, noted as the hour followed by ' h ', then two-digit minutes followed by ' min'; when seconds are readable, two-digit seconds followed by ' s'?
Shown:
8 h 05 min
